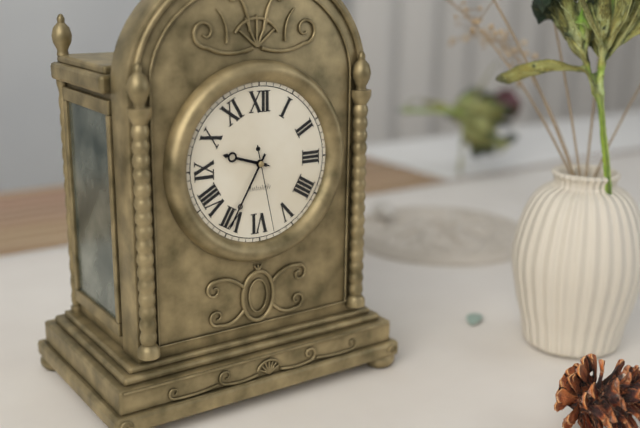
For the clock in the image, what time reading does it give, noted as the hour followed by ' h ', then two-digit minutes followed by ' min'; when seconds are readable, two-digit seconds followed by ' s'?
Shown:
9 h 35 min 28 s
